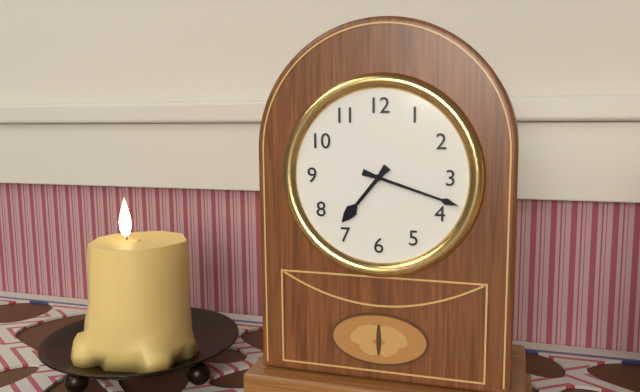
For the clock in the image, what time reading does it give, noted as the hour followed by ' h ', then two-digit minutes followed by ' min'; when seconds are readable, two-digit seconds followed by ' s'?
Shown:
7 h 18 min
